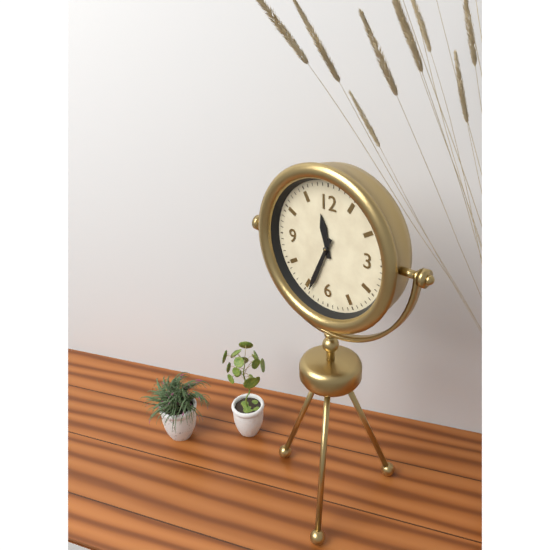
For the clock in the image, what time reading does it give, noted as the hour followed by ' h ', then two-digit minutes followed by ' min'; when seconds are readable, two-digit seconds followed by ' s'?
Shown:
11 h 34 min
